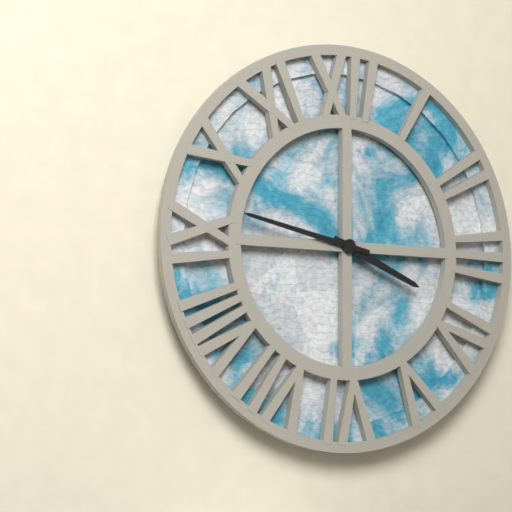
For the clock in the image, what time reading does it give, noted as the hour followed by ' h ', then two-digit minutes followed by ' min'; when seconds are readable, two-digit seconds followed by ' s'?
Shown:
3 h 47 min
